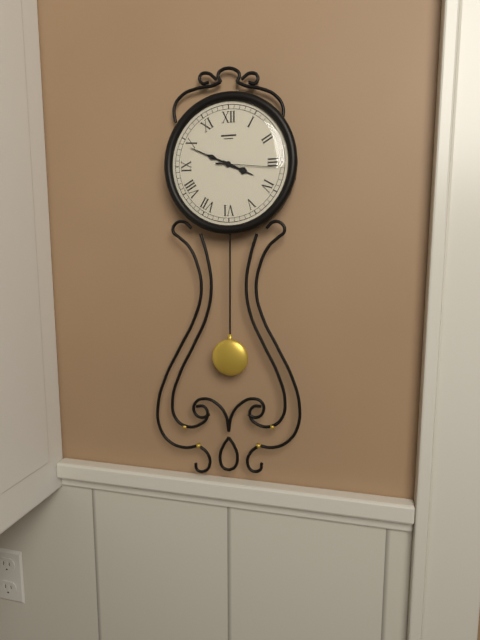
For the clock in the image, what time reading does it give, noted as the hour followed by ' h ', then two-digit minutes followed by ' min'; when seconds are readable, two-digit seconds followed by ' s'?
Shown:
3 h 49 min 16 s
